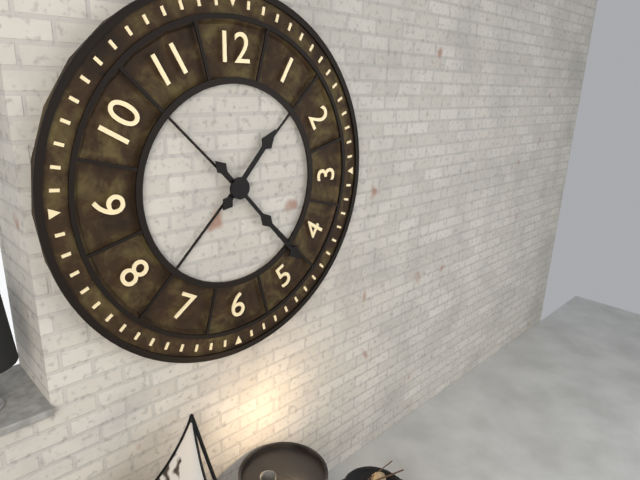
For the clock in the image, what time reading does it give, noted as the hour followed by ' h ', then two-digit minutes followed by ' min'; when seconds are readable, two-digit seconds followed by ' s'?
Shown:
1 h 23 min
